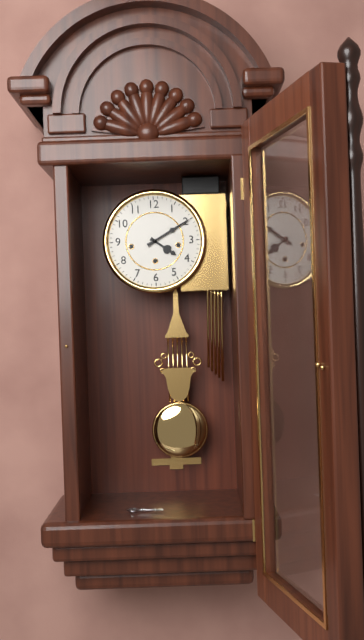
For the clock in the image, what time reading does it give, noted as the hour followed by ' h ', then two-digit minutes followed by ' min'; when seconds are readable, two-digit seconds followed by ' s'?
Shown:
4 h 10 min
